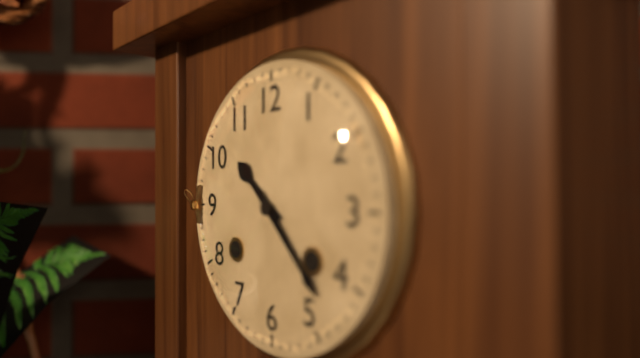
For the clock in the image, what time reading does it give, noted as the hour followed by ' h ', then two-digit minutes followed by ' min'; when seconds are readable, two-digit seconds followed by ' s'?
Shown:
10 h 23 min
